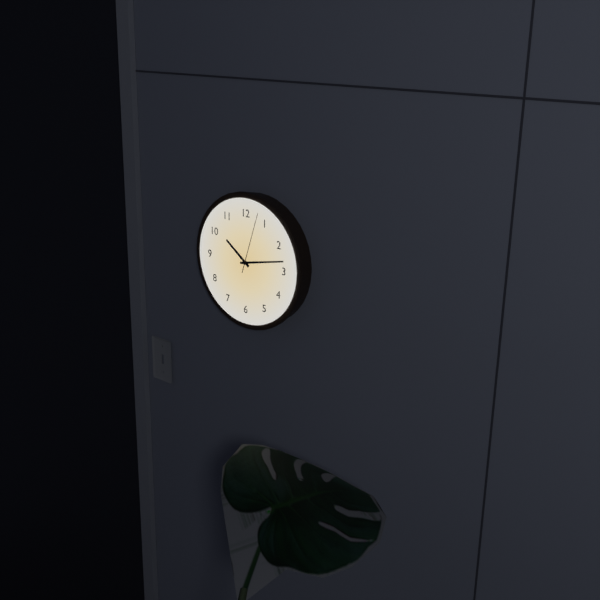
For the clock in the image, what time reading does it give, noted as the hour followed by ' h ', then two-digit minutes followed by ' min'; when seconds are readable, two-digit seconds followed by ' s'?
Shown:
10 h 13 min 03 s
